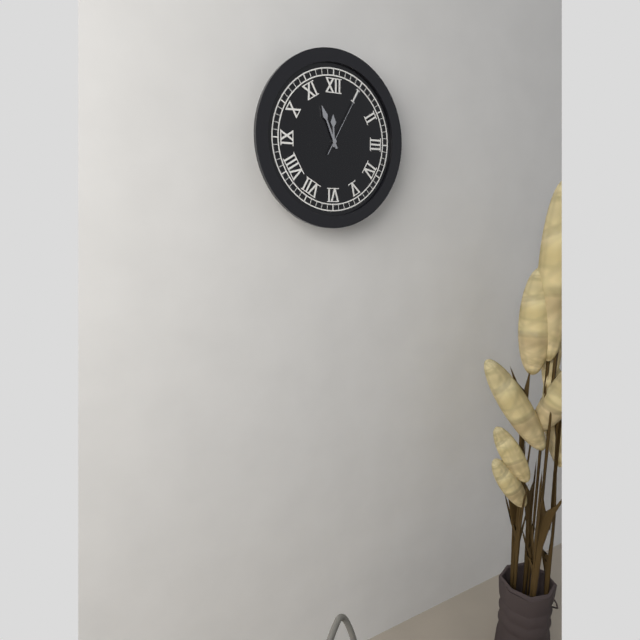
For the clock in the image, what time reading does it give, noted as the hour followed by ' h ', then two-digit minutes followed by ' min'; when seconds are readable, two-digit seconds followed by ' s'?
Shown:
11 h 56 min 05 s
